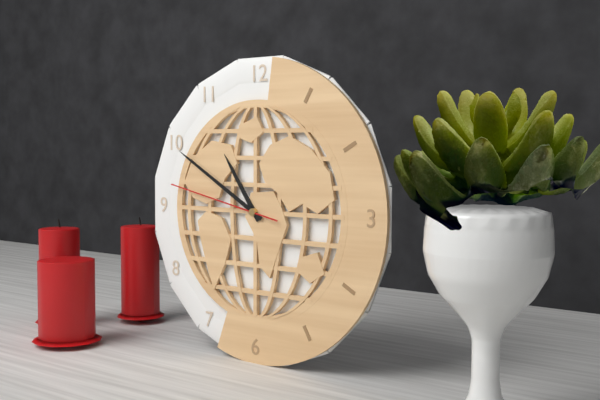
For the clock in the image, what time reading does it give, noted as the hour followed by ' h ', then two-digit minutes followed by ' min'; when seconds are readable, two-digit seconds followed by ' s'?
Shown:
10 h 50 min 47 s
